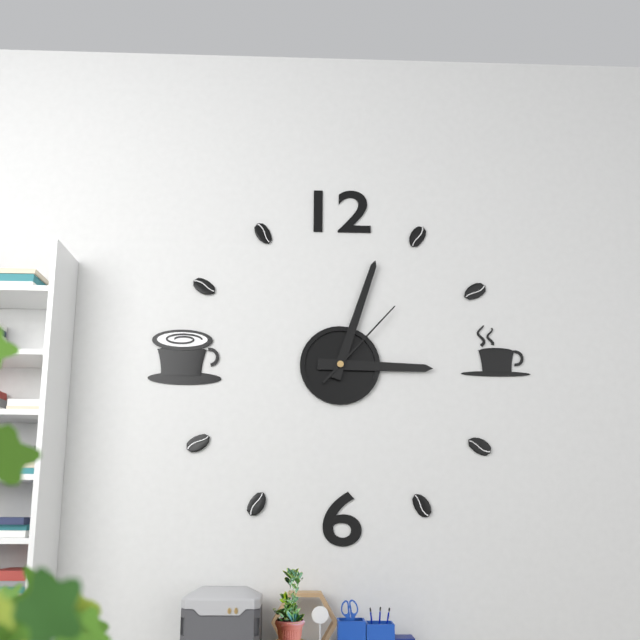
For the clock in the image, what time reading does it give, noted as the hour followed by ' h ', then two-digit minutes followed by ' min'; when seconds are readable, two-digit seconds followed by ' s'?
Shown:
3 h 03 min 07 s
